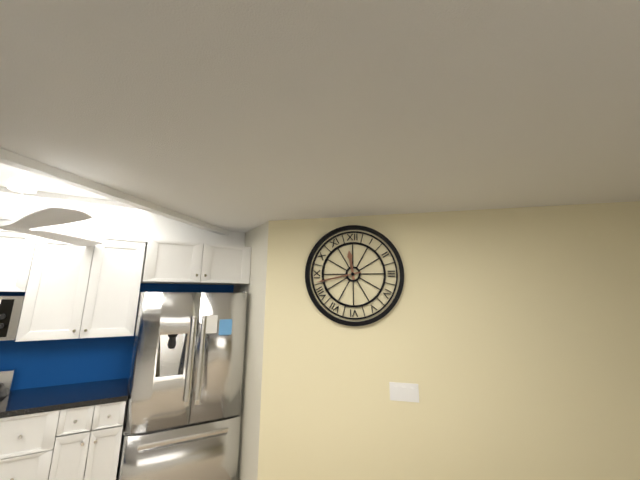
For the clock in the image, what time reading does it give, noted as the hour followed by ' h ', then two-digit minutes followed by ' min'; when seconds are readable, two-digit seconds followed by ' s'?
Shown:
11 h 43 min
